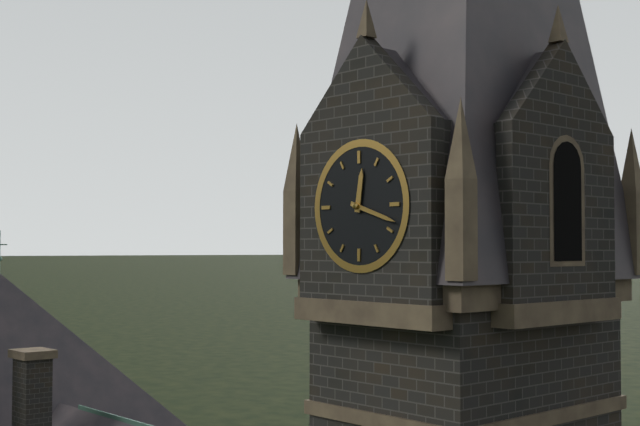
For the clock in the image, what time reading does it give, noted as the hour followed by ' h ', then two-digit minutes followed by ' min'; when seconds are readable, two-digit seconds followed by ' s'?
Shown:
12 h 18 min
